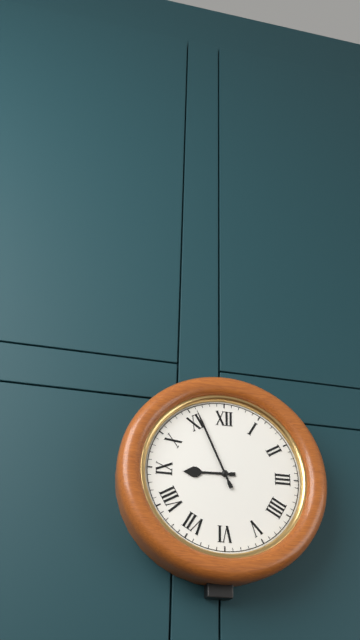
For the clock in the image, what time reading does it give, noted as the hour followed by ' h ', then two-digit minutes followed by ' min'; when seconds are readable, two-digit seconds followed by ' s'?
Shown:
8 h 56 min
